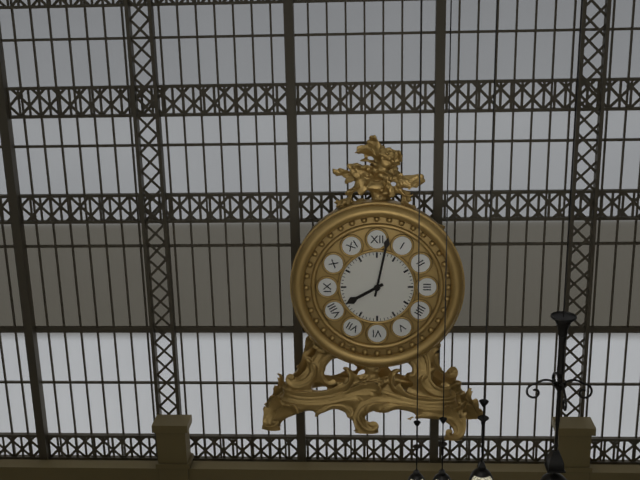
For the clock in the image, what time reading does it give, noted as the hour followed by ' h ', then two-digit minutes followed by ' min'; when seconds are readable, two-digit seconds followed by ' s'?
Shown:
8 h 02 min
